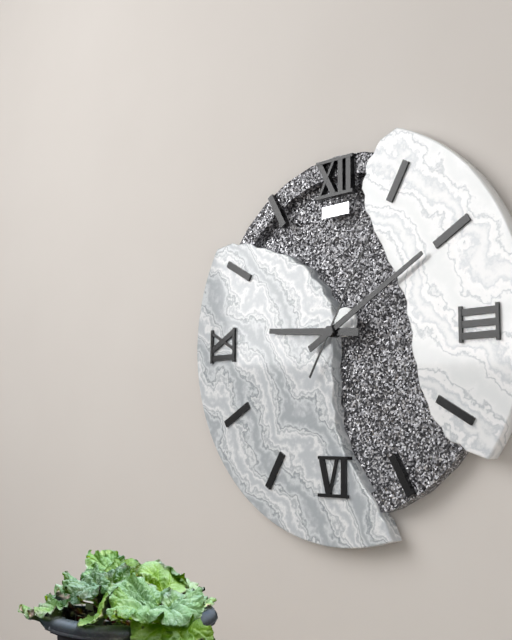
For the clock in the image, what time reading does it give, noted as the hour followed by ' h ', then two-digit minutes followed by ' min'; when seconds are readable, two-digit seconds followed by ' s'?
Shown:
9 h 10 min 05 s
